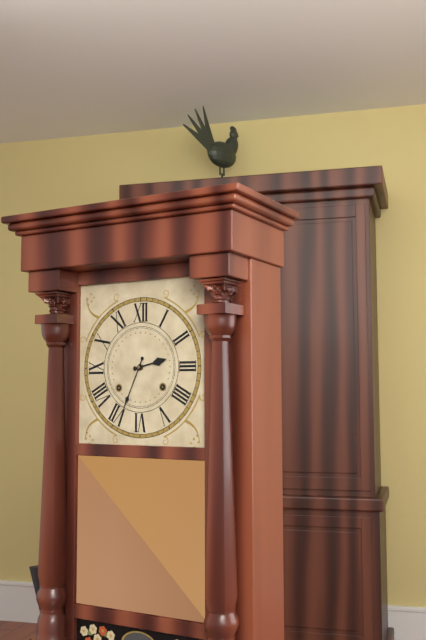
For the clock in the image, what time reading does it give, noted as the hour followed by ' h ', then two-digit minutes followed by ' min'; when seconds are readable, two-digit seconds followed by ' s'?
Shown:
2 h 34 min
